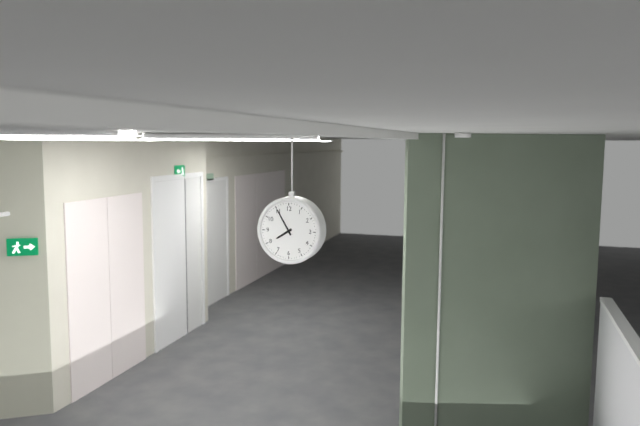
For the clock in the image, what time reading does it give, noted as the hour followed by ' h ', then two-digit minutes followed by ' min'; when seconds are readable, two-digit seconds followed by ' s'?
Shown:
7 h 55 min
